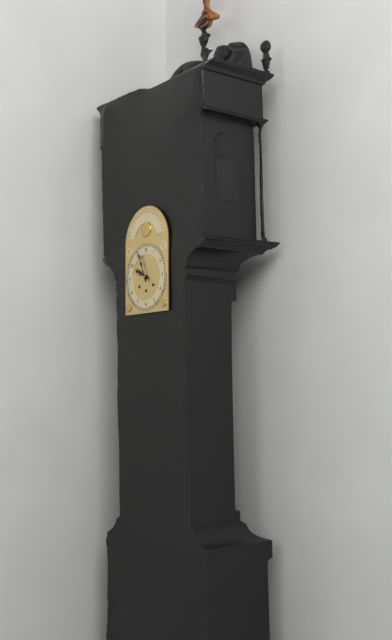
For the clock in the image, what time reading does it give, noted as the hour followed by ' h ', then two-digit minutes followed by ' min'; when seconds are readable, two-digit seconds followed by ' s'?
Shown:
9 h 56 min
